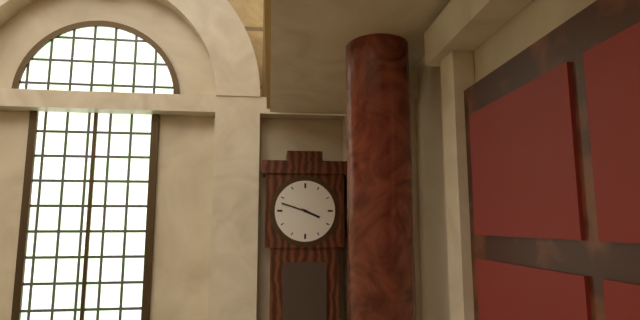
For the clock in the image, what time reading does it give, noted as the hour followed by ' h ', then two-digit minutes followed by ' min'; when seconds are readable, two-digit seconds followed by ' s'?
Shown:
3 h 48 min
